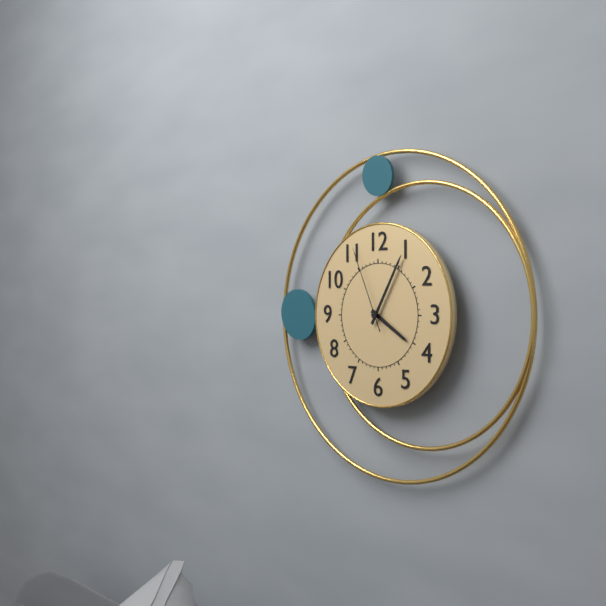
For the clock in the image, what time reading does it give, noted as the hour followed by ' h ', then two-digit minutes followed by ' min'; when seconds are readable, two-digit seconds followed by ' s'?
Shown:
4 h 05 min 56 s
